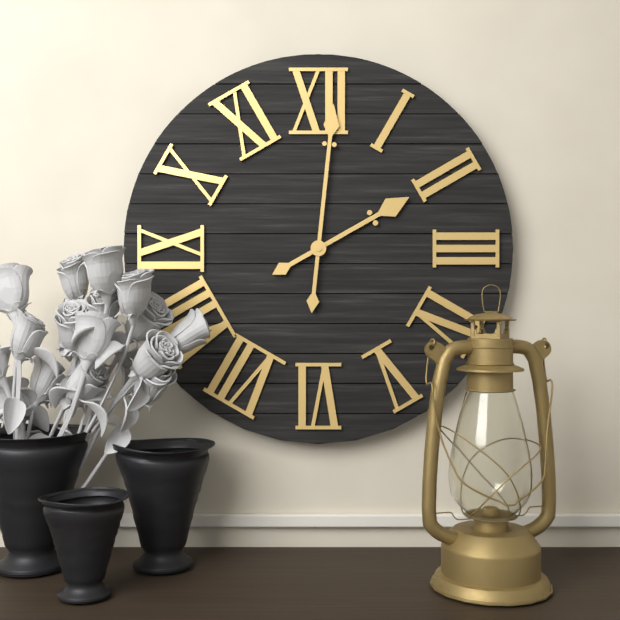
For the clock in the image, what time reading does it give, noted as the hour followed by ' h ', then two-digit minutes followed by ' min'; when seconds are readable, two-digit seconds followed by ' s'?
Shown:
2 h 01 min
